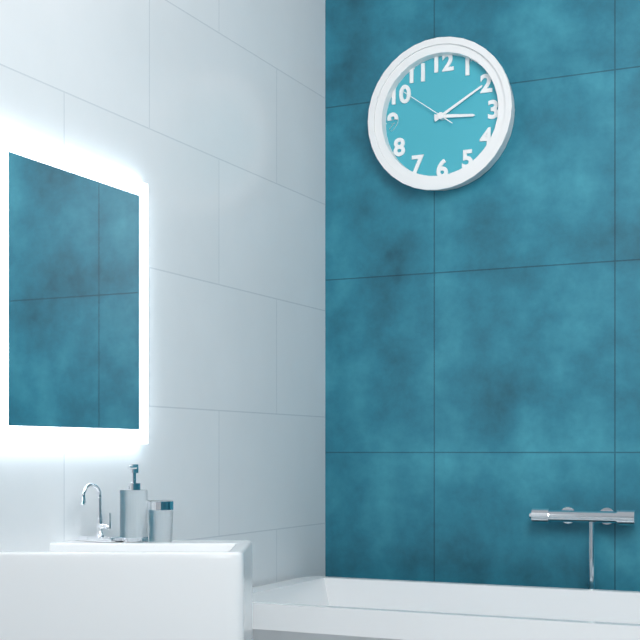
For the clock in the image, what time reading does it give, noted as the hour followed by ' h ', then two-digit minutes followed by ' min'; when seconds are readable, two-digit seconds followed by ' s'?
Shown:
3 h 10 min 51 s
